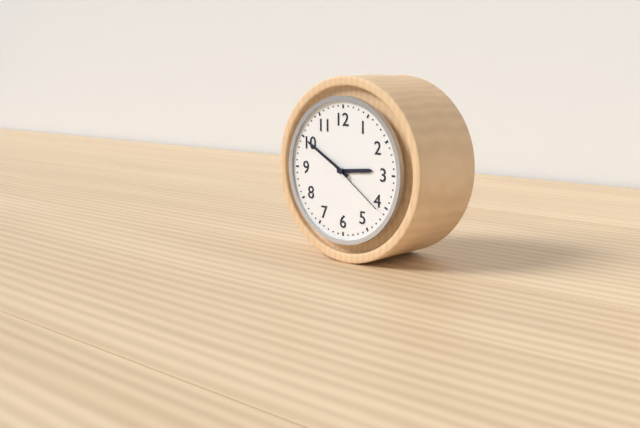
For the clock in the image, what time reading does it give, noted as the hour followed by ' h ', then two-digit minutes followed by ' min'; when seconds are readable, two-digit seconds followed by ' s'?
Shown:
2 h 50 min 21 s
